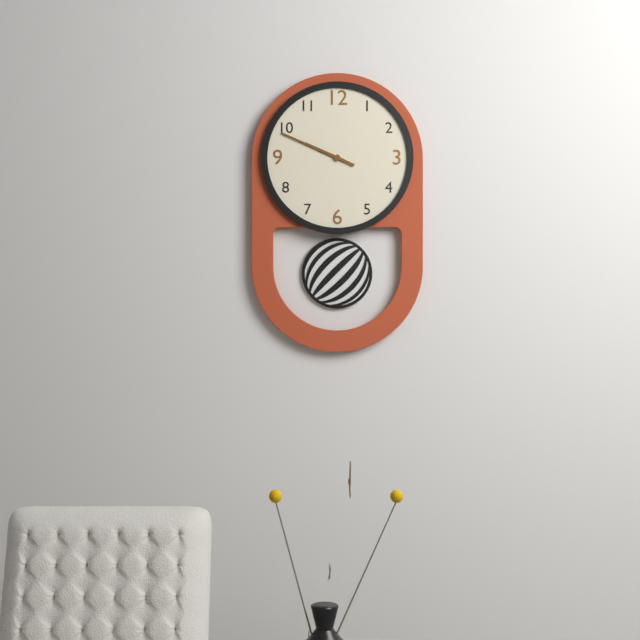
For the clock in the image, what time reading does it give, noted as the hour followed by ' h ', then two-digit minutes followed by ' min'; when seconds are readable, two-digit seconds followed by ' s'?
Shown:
9 h 49 min
